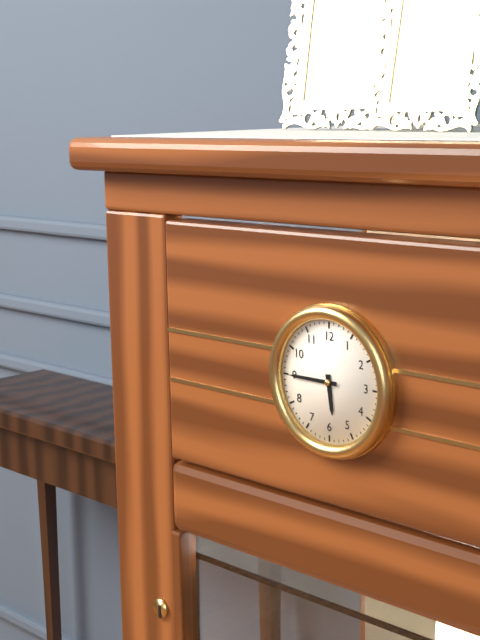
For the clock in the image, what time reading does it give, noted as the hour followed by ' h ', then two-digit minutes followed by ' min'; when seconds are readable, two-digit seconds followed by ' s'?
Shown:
5 h 45 min
